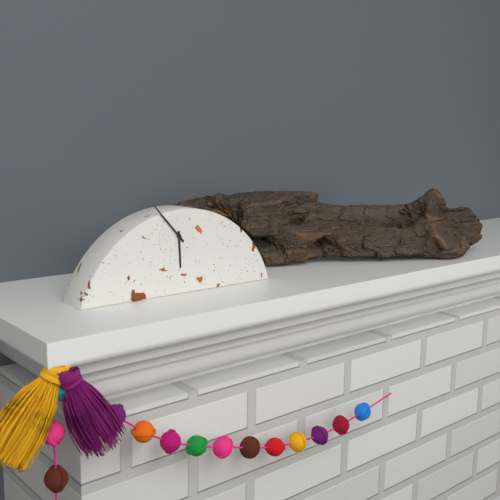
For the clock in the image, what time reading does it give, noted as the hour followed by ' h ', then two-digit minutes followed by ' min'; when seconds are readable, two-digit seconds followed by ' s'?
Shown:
5 h 53 min
